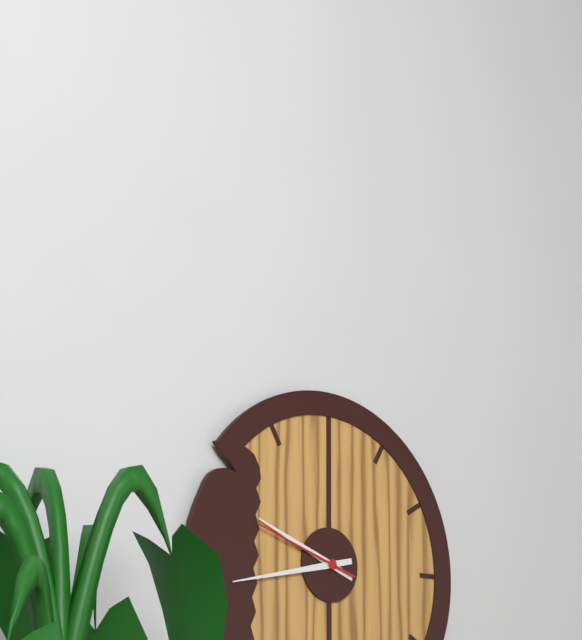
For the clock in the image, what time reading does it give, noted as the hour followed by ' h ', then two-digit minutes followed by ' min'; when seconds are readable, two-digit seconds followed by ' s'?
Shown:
9 h 43 min 48 s
